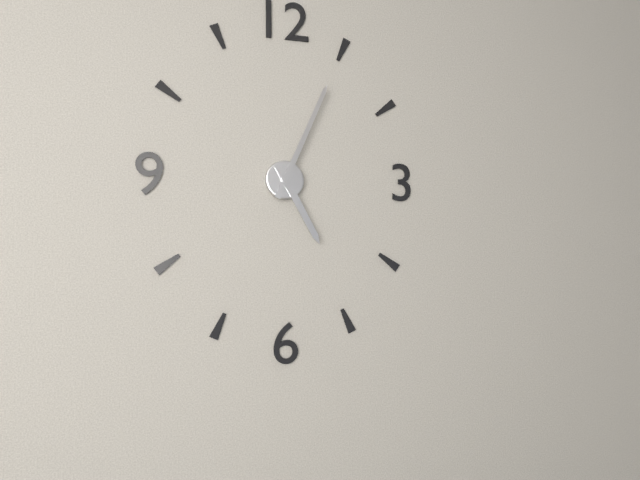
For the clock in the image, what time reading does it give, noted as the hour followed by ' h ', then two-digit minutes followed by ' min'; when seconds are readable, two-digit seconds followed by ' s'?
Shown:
5 h 04 min
